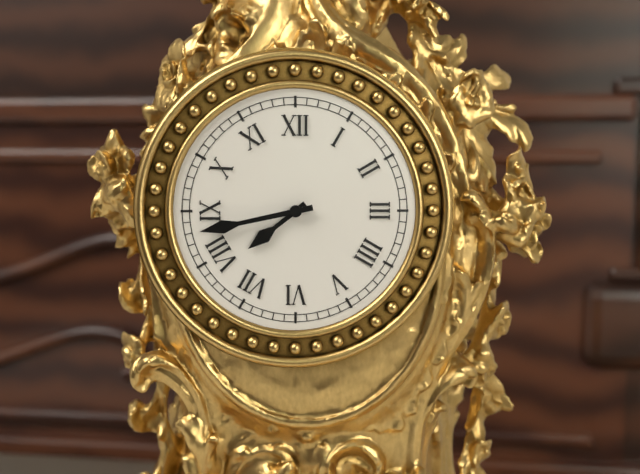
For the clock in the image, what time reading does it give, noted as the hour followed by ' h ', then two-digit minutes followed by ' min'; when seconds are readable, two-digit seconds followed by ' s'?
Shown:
7 h 43 min
